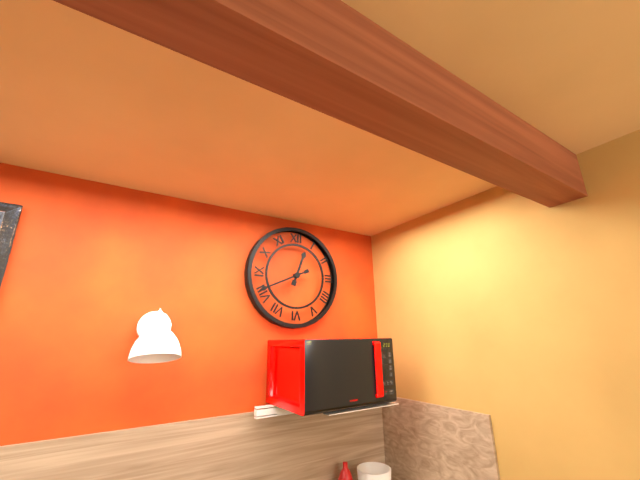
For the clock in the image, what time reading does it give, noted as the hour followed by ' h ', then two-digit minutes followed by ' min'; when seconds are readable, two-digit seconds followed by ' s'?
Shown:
12 h 41 min
